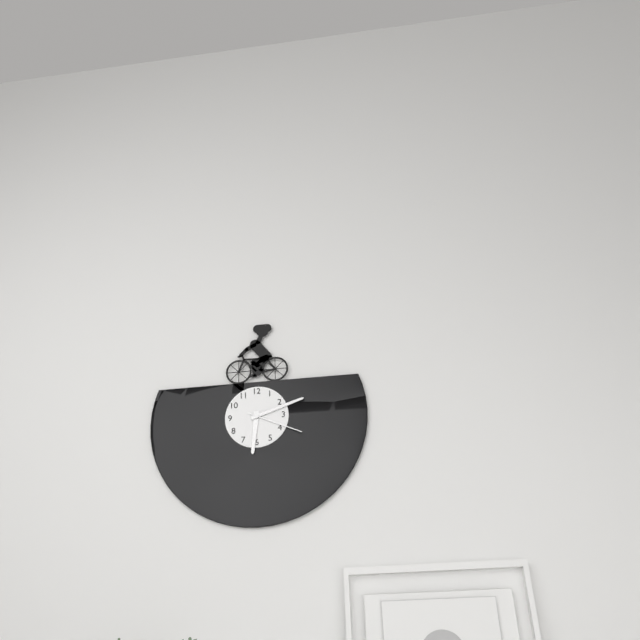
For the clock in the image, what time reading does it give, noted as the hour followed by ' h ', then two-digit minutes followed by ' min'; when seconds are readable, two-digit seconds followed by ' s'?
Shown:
6 h 12 min 19 s
